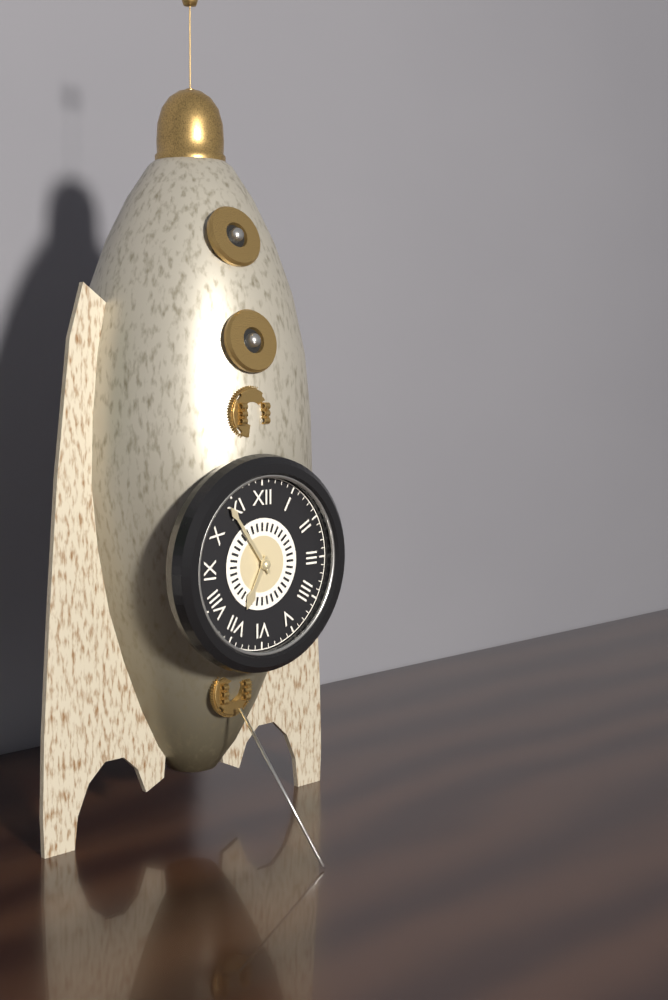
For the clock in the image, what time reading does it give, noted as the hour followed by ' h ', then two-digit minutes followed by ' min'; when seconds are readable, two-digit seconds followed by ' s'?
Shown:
6 h 54 min
